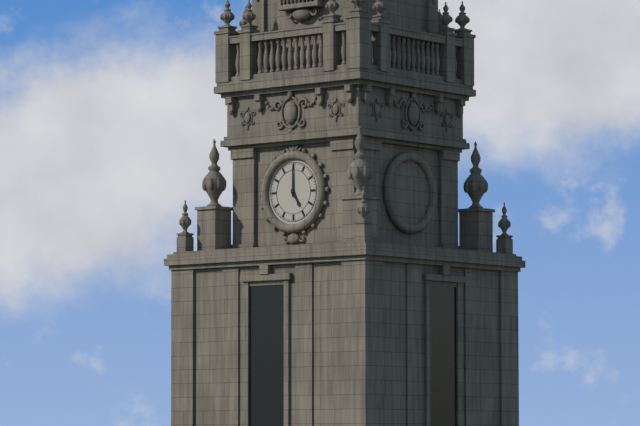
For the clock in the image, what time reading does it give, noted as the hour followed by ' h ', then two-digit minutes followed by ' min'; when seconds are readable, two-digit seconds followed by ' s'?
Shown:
5 h 00 min
